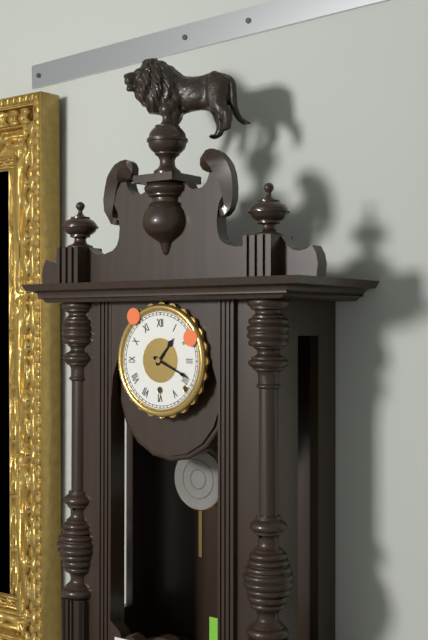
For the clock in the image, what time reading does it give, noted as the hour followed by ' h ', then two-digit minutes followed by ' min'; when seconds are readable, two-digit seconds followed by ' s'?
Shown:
1 h 19 min
